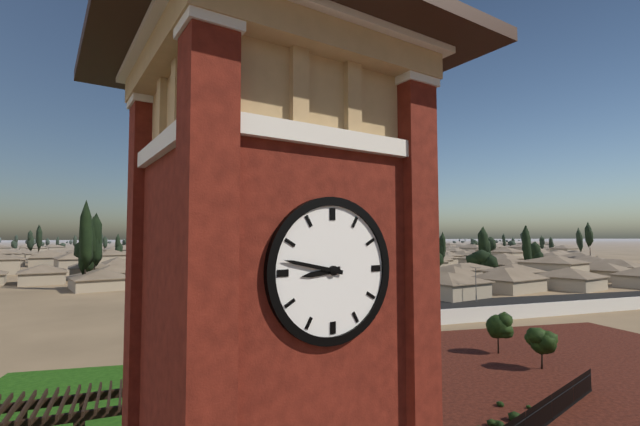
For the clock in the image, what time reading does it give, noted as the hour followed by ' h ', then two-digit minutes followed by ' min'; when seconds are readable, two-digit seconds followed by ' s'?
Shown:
8 h 47 min
